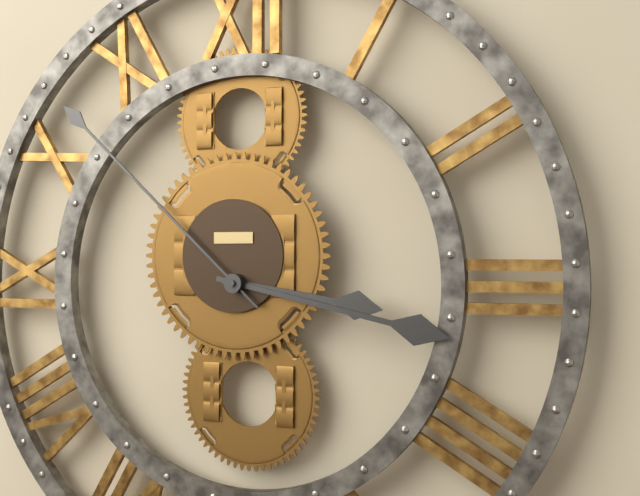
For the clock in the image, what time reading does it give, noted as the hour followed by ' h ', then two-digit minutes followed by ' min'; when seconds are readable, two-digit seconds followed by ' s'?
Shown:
3 h 17 min 52 s
